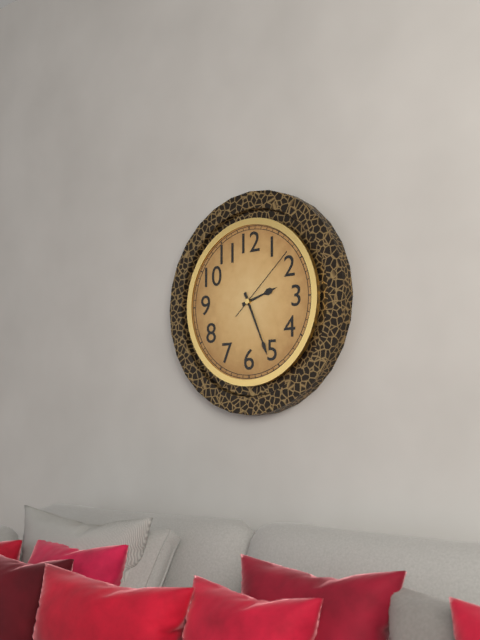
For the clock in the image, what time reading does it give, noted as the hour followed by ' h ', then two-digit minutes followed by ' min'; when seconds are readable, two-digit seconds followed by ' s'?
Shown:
2 h 26 min 08 s
